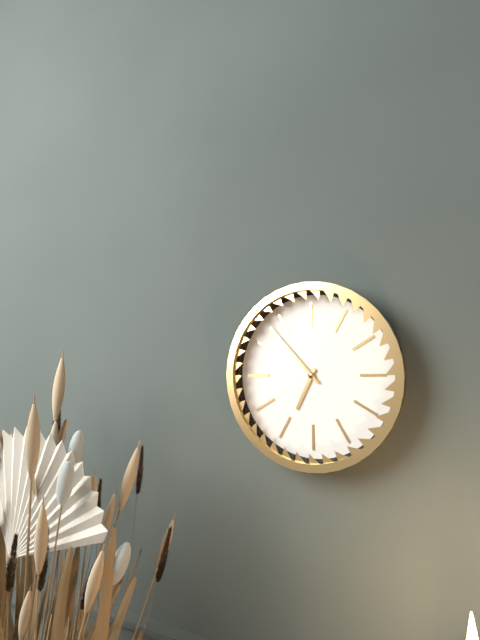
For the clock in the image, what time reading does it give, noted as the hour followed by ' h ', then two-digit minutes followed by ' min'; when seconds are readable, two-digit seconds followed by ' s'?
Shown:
6 h 53 min
